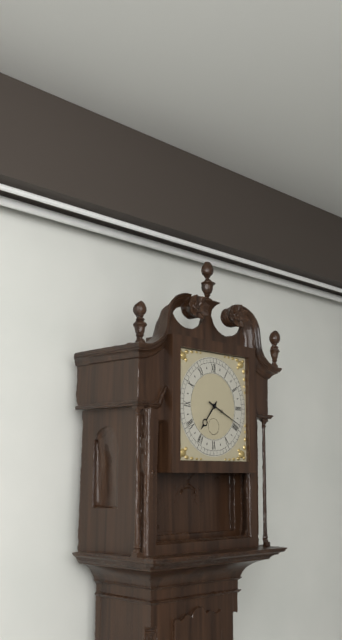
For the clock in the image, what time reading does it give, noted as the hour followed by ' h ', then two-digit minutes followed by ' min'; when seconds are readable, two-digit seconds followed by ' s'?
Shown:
7 h 19 min
